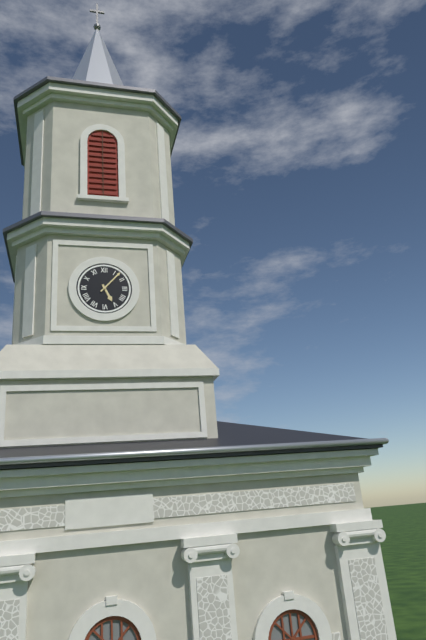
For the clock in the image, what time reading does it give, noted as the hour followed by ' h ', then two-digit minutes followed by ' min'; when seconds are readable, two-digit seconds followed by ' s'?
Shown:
5 h 07 min
